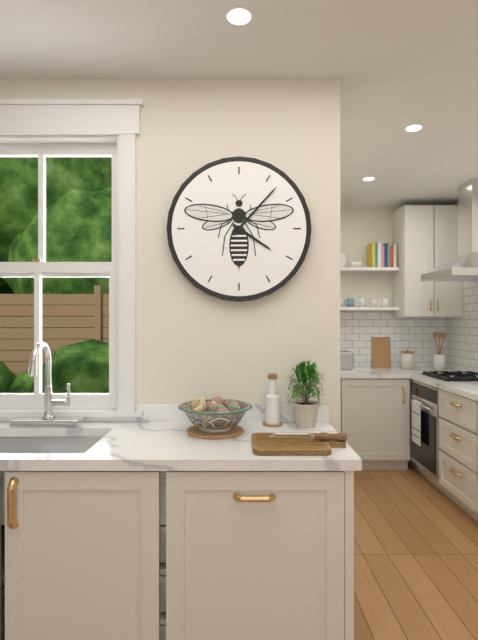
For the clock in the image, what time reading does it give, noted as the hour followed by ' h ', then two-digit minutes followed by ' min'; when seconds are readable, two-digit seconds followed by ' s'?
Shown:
4 h 07 min
